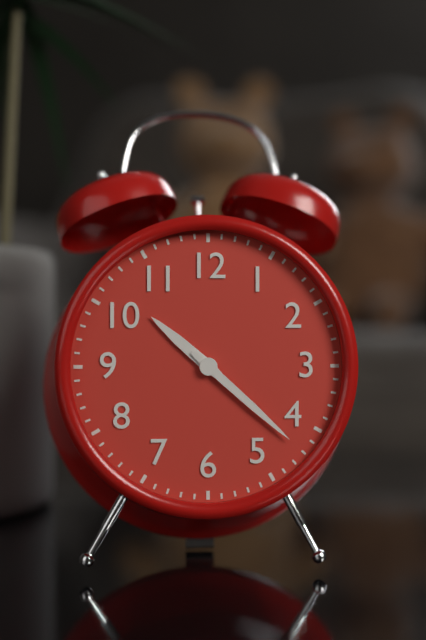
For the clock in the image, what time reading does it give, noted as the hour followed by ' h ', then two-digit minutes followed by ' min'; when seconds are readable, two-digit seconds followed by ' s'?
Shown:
10 h 22 min
